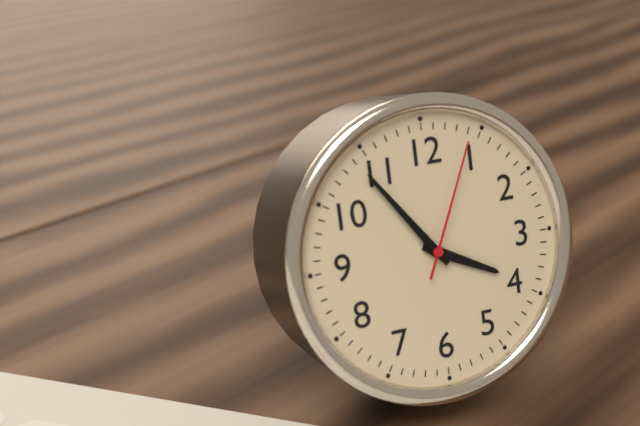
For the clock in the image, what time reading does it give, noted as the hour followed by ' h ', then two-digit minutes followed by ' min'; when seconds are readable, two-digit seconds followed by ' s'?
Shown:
3 h 54 min 04 s
